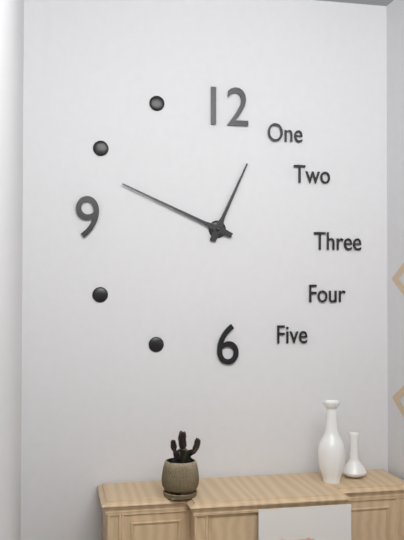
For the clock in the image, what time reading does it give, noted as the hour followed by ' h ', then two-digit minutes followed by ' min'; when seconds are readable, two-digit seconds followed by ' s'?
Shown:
12 h 49 min
